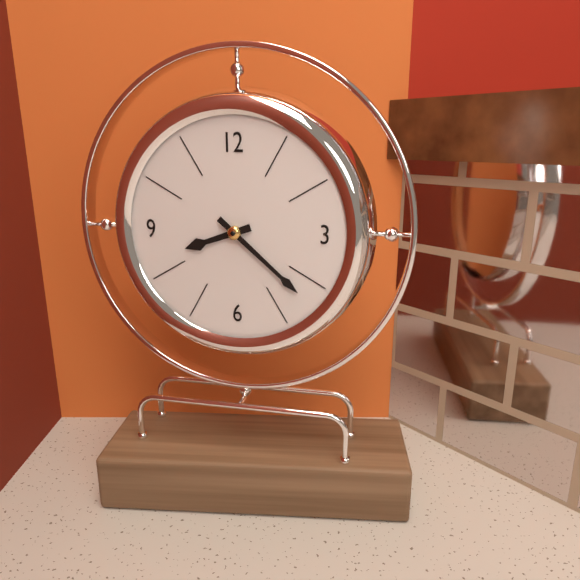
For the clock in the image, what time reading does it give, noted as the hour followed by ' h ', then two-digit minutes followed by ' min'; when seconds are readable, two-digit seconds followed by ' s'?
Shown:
8 h 22 min
